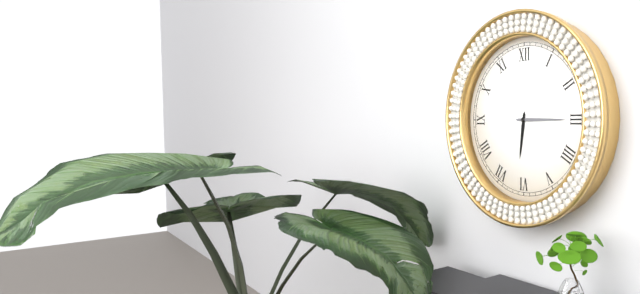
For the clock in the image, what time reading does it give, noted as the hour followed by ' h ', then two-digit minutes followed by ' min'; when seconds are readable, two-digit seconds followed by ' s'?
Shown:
6 h 15 min
